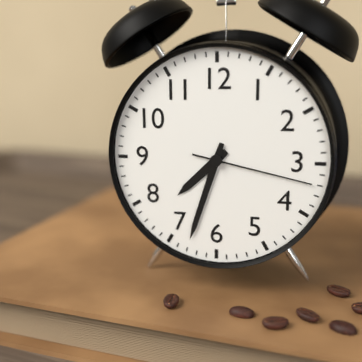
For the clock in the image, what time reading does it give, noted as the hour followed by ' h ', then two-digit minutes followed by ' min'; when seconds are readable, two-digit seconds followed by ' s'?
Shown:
7 h 33 min 17 s
